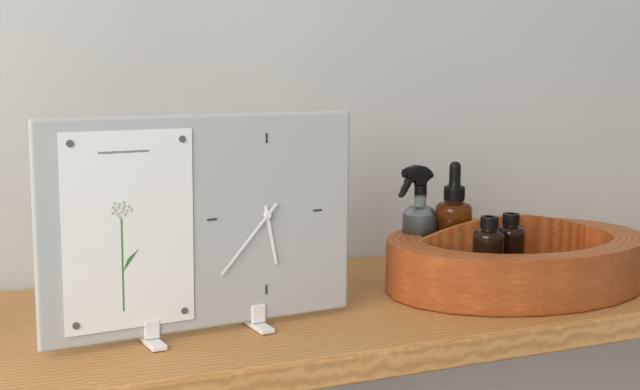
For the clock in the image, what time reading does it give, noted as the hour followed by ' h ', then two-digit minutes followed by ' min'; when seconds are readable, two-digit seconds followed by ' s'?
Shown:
5 h 37 min
